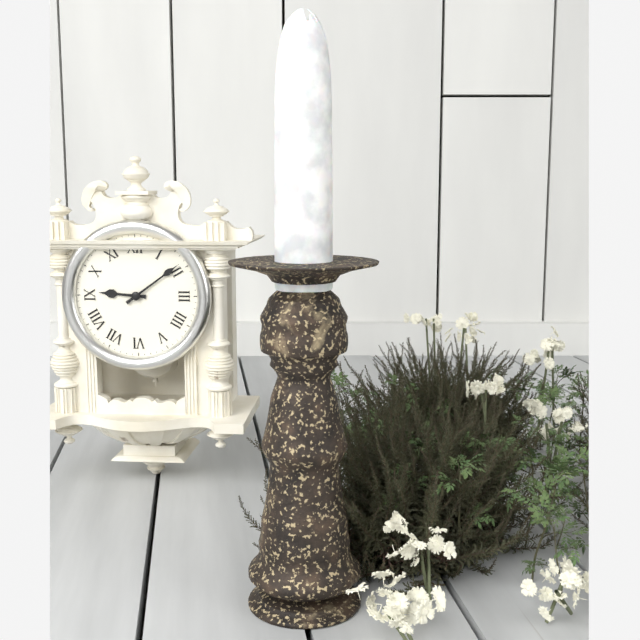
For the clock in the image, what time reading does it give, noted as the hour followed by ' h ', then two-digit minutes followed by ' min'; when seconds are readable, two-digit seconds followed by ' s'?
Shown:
9 h 09 min
